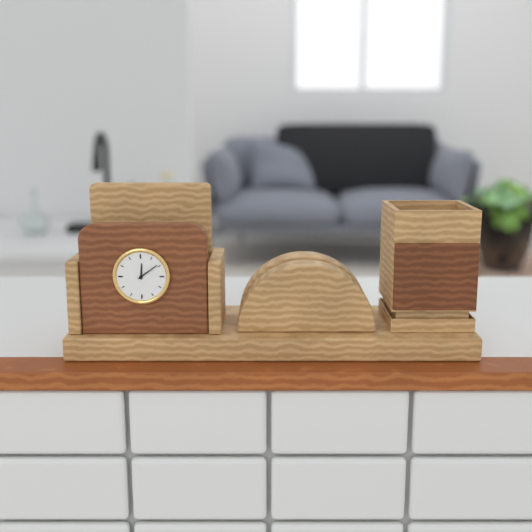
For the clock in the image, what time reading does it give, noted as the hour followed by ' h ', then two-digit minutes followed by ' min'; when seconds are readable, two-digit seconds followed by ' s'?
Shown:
12 h 09 min
